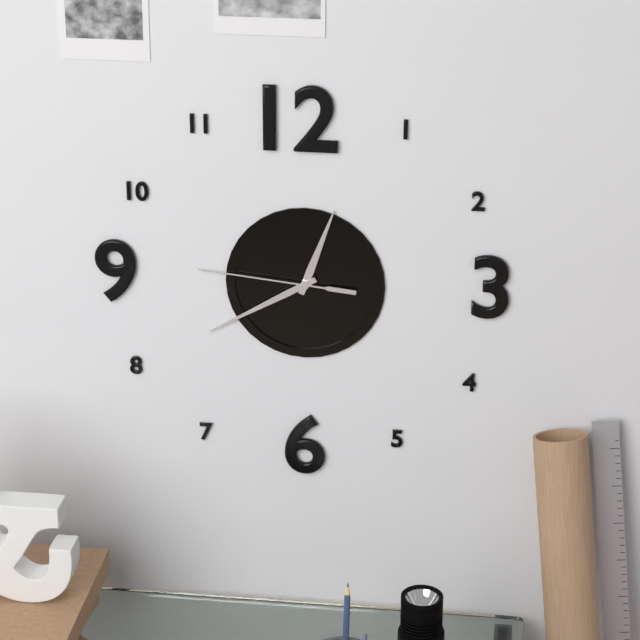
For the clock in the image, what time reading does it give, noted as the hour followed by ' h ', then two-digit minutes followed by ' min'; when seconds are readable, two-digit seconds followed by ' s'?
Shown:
12 h 40 min 46 s
